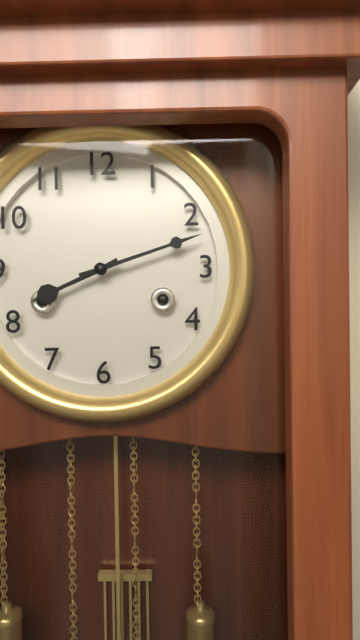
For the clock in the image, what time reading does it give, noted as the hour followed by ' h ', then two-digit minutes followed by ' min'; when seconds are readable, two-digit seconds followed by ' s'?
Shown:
8 h 12 min
